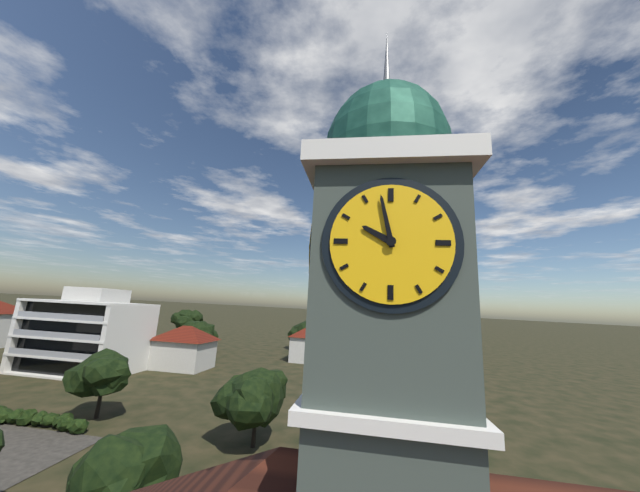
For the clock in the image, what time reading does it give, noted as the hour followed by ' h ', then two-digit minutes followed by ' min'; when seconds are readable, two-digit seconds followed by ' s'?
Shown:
9 h 58 min
